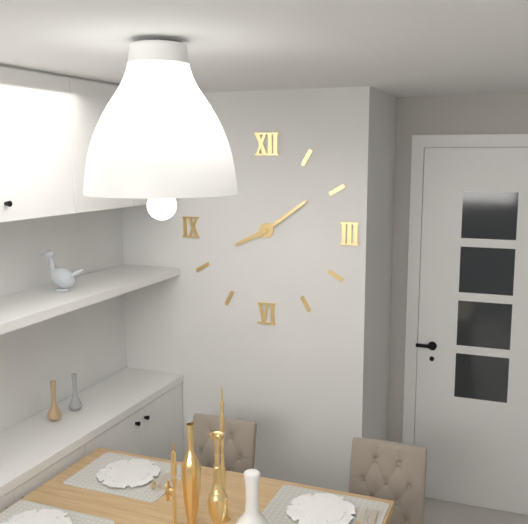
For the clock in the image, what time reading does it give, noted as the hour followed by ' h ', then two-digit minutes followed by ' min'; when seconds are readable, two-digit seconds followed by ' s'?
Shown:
8 h 09 min
